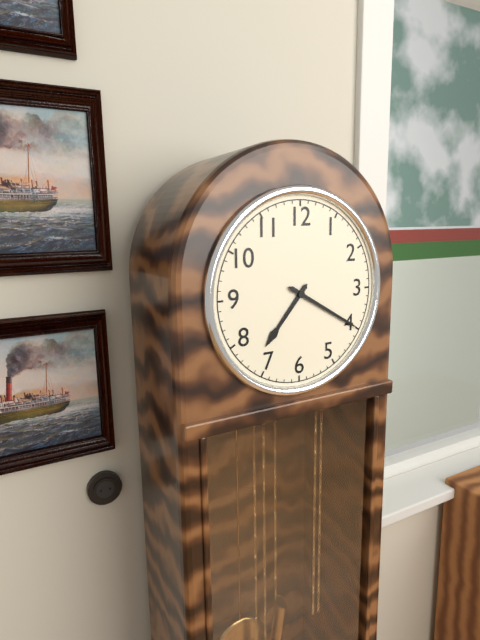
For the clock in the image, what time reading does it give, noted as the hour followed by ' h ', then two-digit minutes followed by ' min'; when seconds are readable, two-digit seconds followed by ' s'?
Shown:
7 h 20 min
